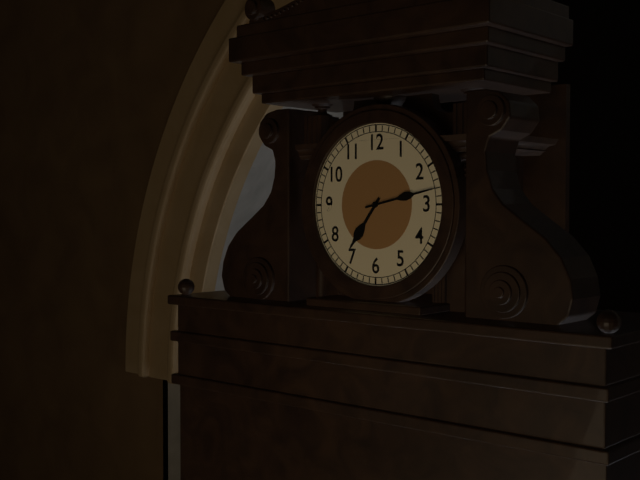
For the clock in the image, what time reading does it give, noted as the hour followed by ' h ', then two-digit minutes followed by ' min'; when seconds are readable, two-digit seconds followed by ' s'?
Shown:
7 h 13 min
